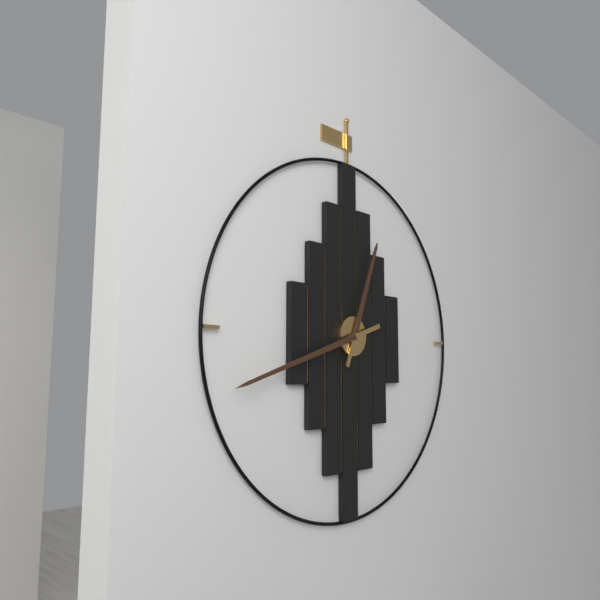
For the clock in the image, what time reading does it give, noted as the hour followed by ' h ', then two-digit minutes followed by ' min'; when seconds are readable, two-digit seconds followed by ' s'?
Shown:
12 h 42 min
